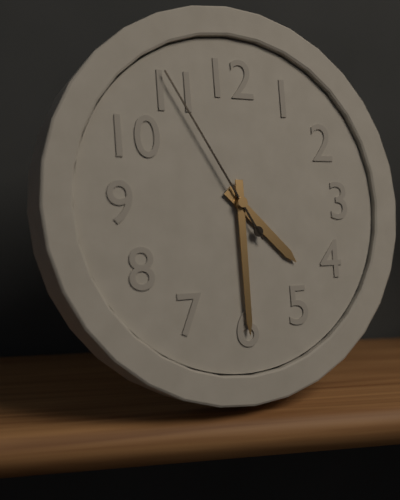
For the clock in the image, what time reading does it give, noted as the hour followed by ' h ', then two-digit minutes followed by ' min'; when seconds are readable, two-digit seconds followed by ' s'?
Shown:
4 h 30 min 55 s
